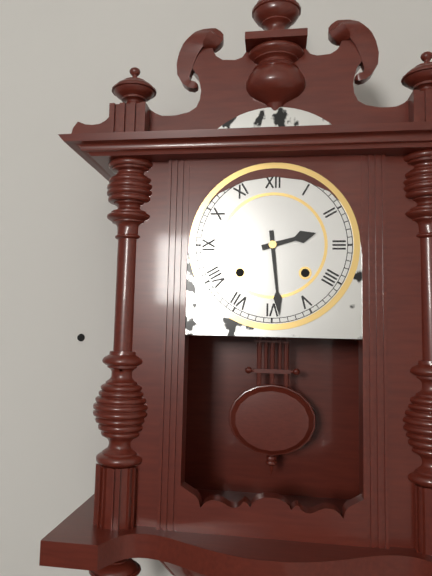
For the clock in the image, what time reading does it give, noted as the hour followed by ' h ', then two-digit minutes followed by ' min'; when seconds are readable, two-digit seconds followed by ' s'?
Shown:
2 h 29 min
